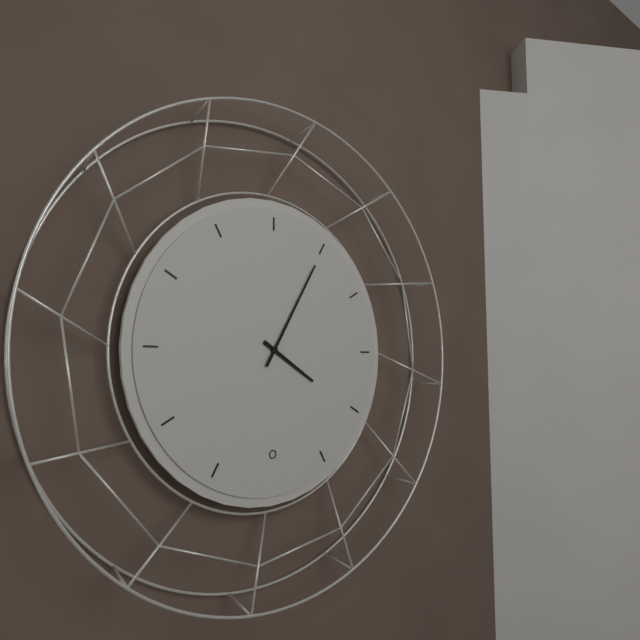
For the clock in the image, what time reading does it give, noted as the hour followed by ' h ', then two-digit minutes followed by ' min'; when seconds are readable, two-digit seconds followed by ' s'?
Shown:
4 h 05 min
